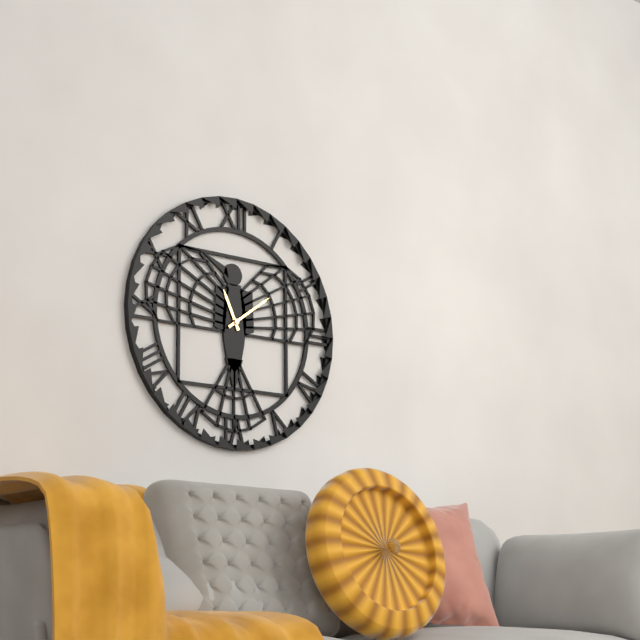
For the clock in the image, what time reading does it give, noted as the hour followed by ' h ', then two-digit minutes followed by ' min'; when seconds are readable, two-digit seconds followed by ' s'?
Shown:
11 h 09 min
